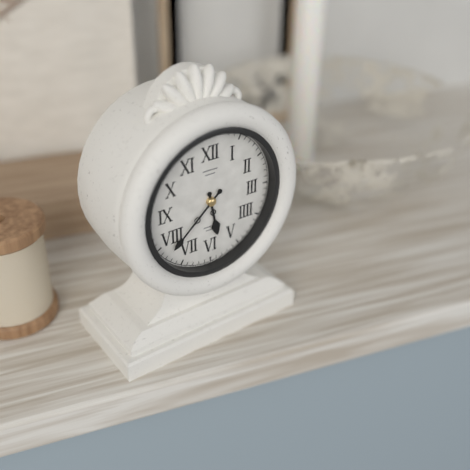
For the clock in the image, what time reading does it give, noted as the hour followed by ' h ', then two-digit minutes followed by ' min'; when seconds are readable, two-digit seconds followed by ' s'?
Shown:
5 h 38 min
